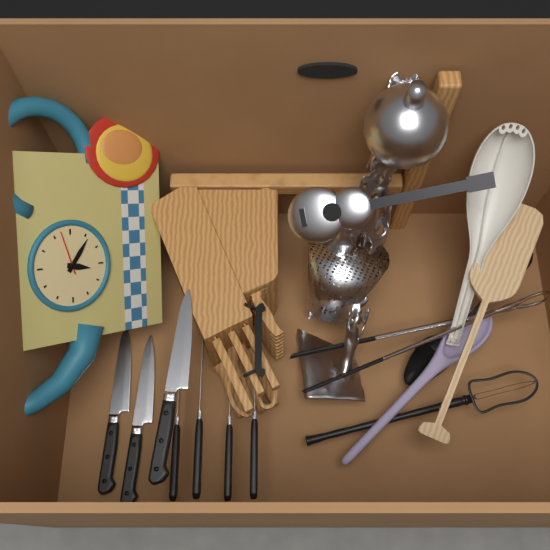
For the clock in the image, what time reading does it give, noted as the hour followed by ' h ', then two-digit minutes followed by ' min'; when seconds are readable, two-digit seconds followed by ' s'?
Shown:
6 h 21 min
